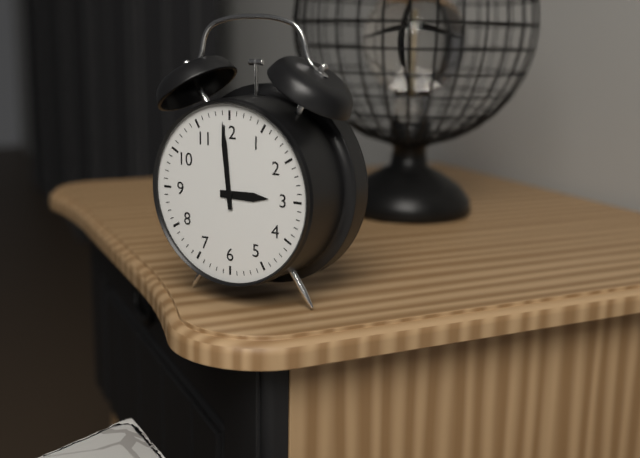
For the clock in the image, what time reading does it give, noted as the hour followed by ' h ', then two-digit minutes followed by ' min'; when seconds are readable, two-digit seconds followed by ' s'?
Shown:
2 h 59 min
